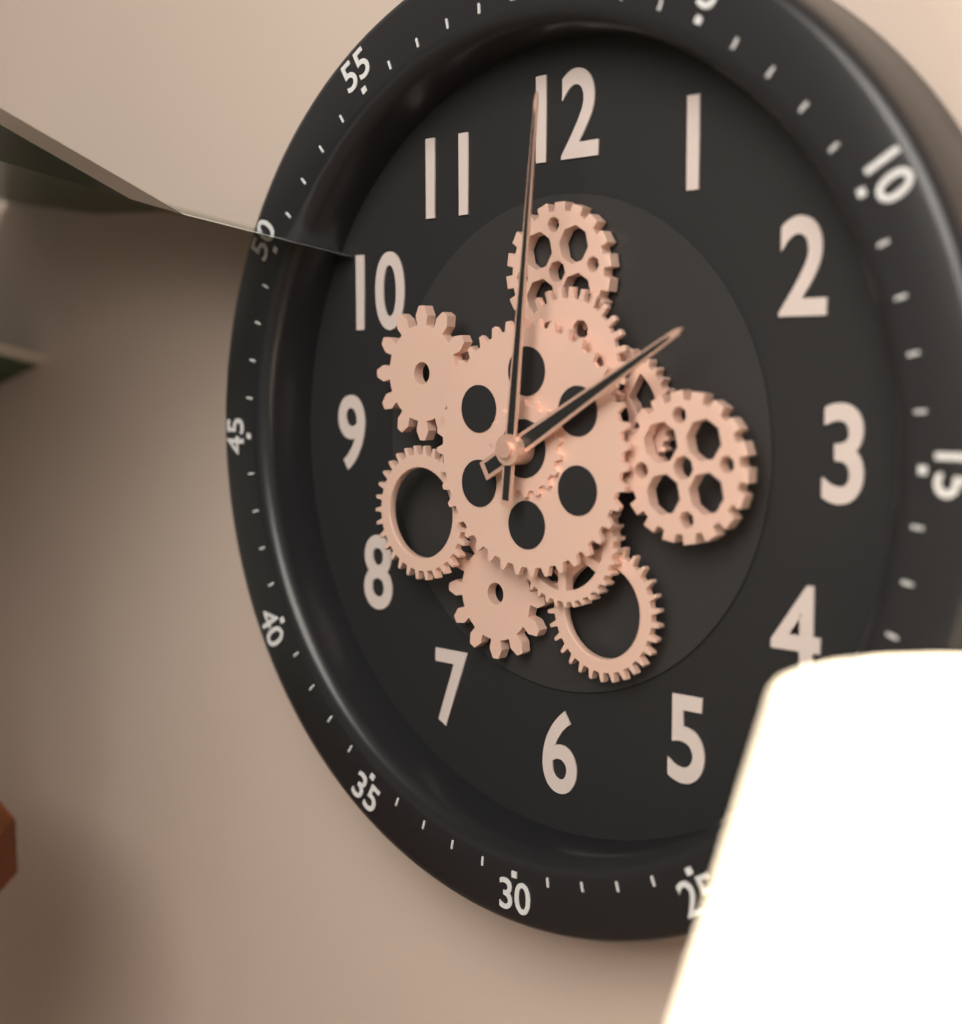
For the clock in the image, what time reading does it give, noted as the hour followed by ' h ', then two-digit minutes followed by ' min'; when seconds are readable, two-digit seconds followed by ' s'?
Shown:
2 h 01 min
